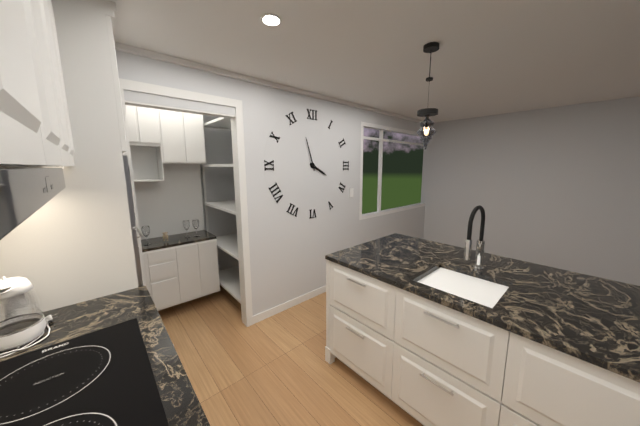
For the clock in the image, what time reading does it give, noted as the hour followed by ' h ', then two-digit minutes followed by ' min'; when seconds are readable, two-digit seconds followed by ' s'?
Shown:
3 h 57 min
